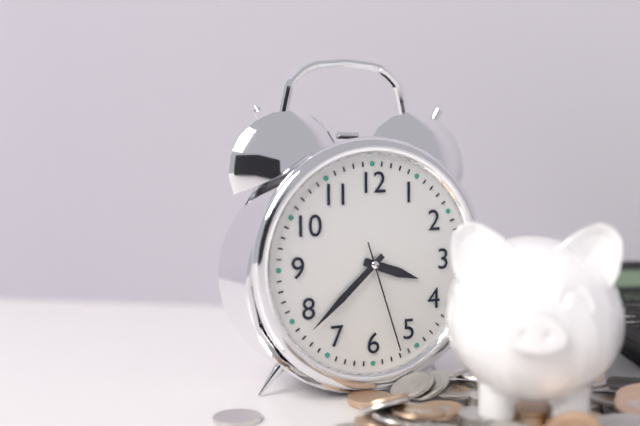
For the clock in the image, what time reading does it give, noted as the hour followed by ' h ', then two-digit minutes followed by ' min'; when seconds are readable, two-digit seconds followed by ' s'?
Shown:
3 h 38 min 27 s
